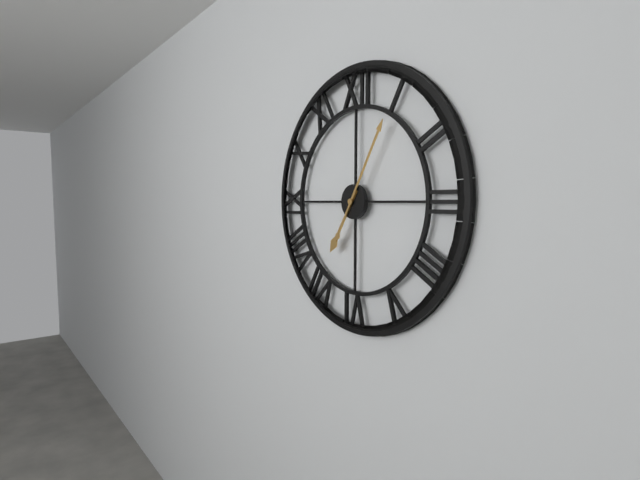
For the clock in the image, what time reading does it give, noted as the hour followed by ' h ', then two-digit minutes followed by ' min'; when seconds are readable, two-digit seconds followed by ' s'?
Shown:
7 h 05 min
